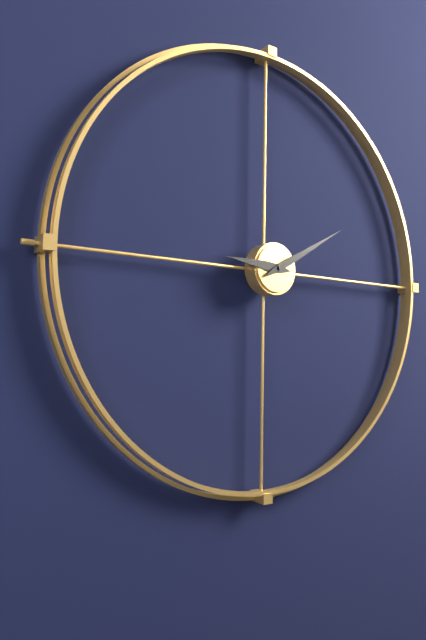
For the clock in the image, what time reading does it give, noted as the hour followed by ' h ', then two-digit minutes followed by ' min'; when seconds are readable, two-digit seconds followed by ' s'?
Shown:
9 h 10 min
